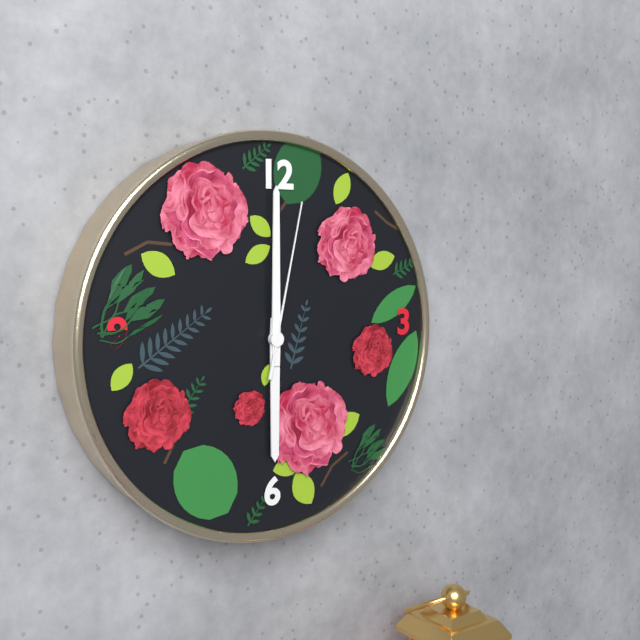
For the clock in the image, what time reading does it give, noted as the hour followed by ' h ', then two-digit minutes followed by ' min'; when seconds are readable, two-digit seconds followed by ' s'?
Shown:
6 h 00 min 02 s
